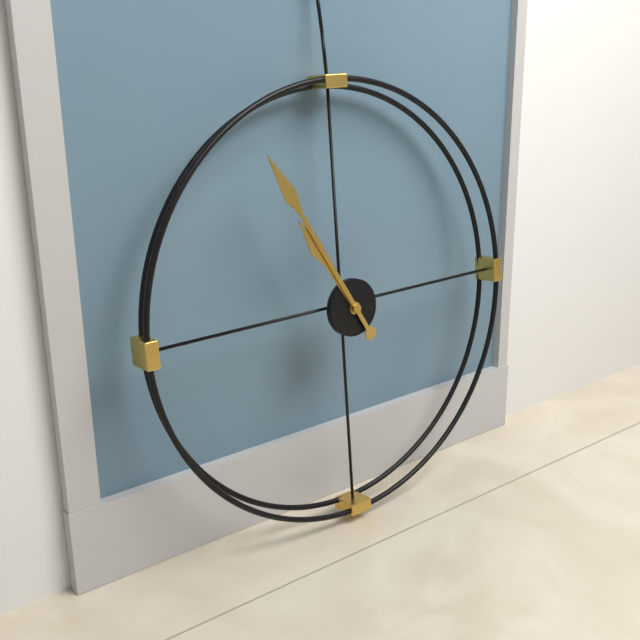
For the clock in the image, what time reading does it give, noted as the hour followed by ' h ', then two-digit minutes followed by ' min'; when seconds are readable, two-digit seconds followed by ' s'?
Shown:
10 h 55 min
